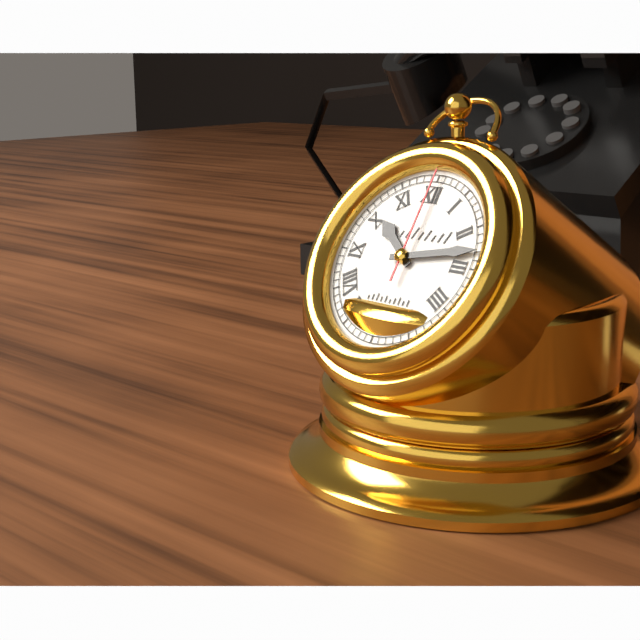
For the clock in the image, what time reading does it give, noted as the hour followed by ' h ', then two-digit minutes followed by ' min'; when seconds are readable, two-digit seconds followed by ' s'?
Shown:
10 h 13 min 00 s
